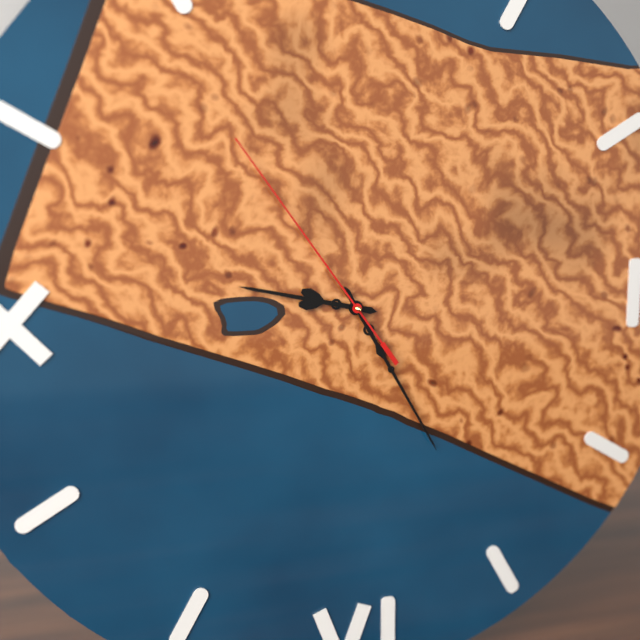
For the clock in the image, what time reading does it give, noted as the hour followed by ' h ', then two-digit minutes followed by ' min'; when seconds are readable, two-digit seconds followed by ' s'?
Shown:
9 h 25 min 54 s
